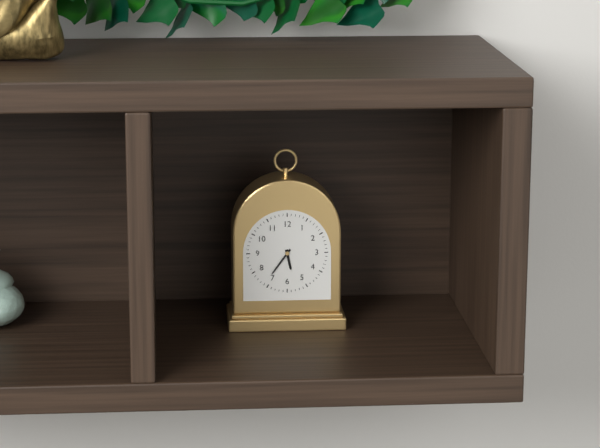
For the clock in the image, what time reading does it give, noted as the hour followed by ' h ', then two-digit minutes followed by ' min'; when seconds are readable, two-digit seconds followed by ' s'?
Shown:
5 h 36 min
